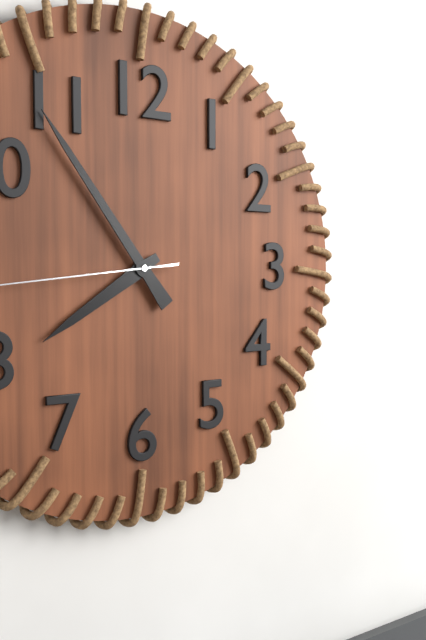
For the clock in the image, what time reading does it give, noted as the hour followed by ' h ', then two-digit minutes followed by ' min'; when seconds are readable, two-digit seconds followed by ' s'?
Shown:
7 h 54 min
